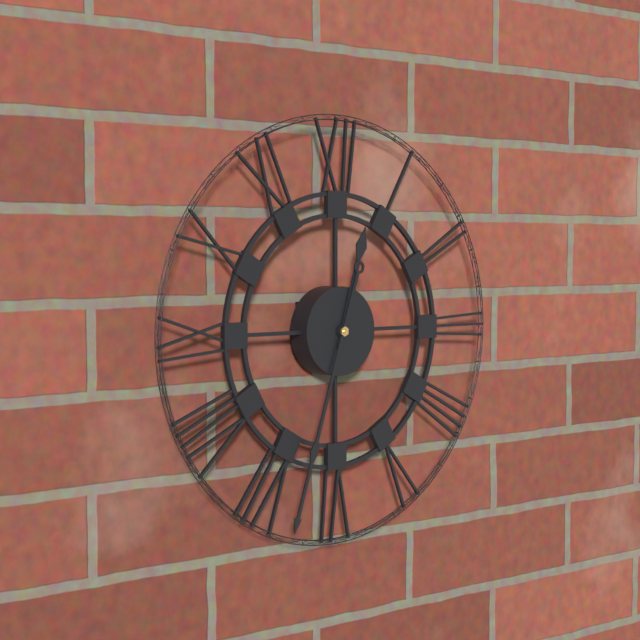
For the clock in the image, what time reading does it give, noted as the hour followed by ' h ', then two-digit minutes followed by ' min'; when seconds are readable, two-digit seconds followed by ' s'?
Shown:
12 h 33 min
